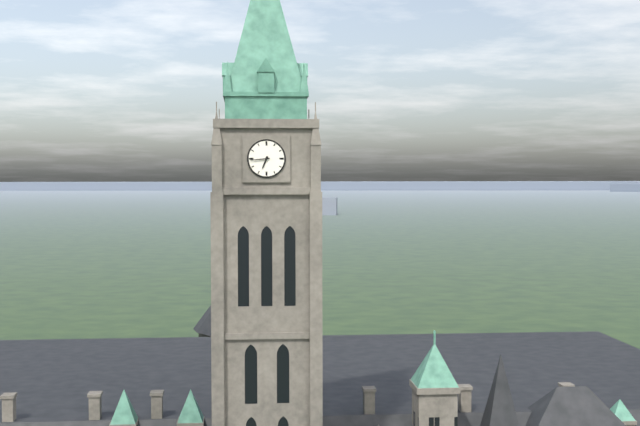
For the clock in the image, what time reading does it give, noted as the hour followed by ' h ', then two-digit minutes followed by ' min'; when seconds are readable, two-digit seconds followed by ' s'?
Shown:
6 h 44 min
